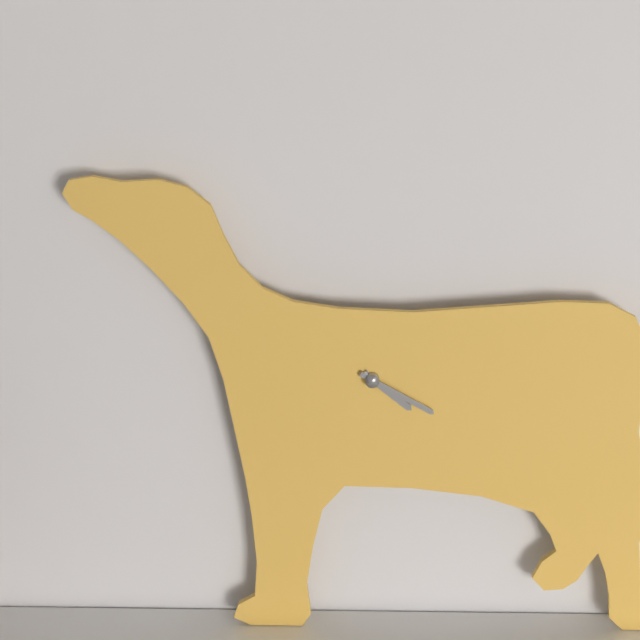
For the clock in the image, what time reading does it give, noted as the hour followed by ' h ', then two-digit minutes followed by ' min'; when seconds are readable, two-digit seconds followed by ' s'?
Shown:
4 h 20 min
